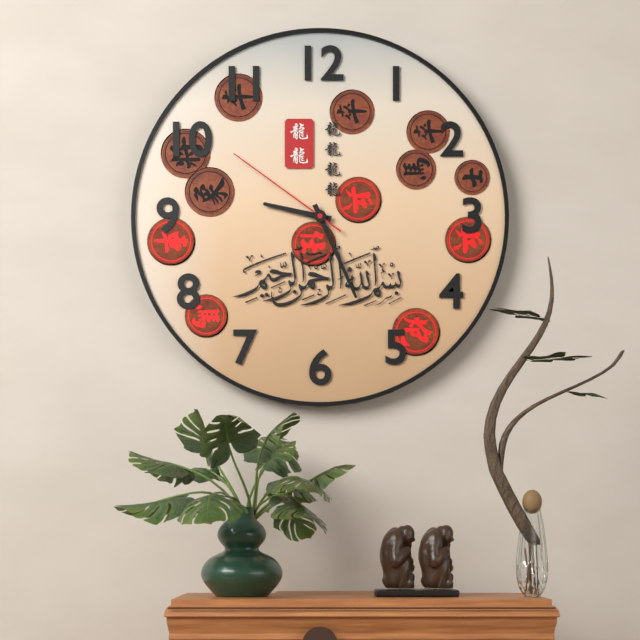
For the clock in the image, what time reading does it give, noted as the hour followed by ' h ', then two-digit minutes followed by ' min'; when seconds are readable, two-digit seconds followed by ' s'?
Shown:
9 h 26 min 51 s
